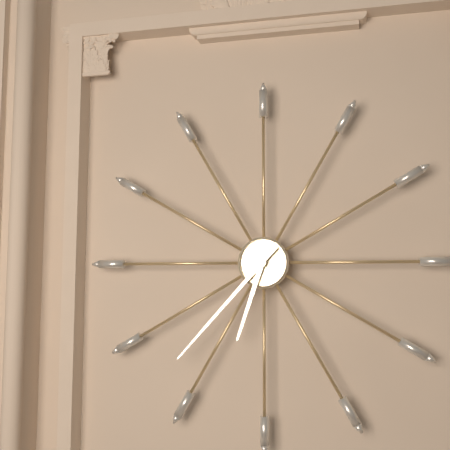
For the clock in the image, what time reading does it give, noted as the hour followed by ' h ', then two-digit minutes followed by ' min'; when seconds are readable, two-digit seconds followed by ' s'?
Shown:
6 h 37 min
